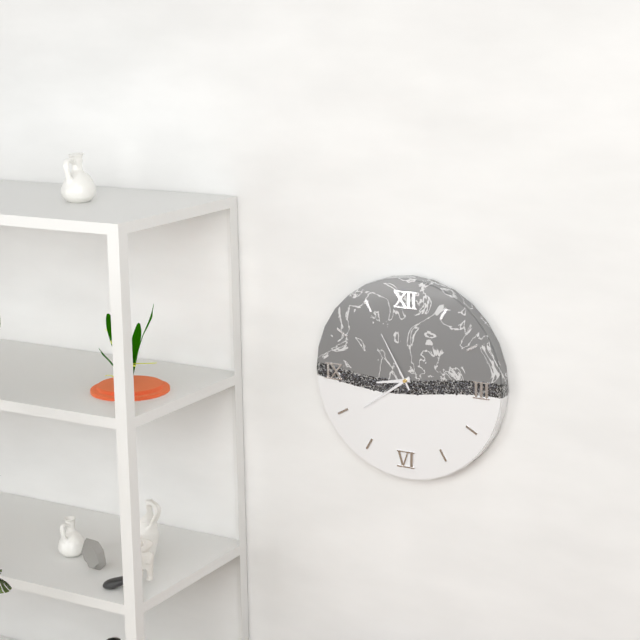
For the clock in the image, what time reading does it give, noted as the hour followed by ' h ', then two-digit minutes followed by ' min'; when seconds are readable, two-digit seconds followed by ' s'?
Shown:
8 h 39 min 55 s
